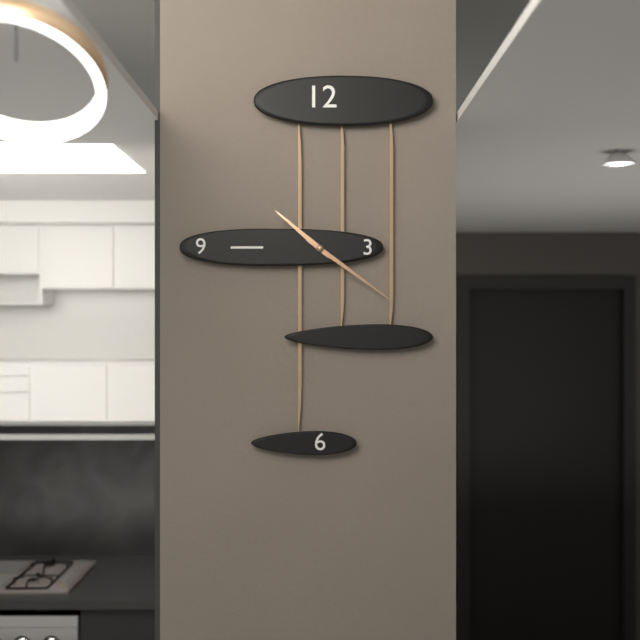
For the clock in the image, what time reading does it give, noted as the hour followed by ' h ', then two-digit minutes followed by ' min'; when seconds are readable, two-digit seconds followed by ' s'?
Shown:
10 h 21 min
